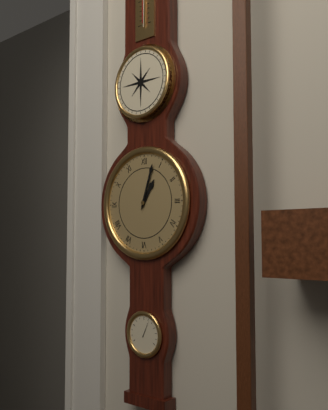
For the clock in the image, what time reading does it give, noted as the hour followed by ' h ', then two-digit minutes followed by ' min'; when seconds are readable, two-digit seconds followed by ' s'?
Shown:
1 h 03 min
